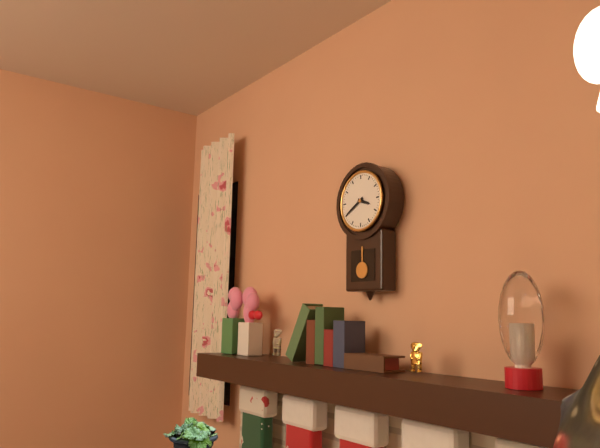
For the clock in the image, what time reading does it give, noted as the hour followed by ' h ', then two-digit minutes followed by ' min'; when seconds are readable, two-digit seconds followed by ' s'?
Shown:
3 h 40 min
